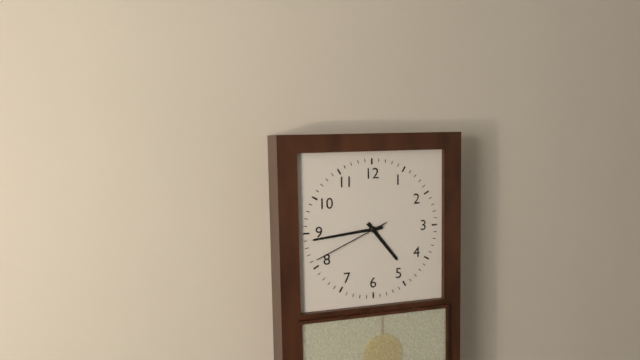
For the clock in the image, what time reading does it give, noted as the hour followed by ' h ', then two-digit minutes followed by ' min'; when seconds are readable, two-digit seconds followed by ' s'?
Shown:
4 h 44 min 41 s
